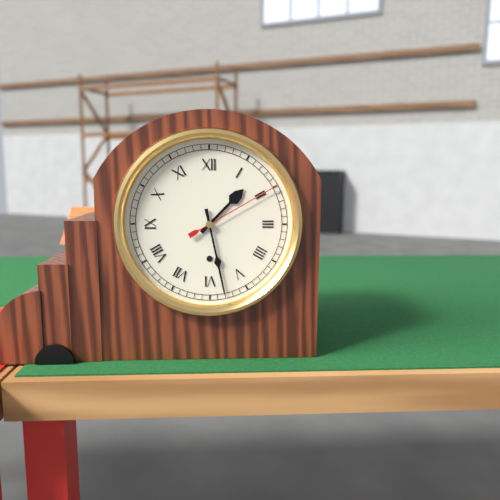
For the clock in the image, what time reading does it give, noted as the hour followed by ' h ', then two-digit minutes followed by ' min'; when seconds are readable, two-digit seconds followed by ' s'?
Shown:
1 h 28 min 10 s
